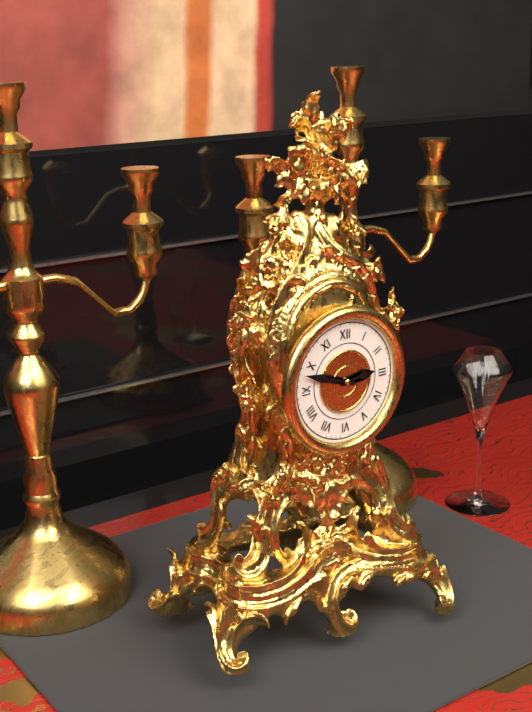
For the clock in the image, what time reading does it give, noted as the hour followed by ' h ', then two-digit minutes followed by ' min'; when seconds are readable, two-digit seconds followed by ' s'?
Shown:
2 h 48 min
